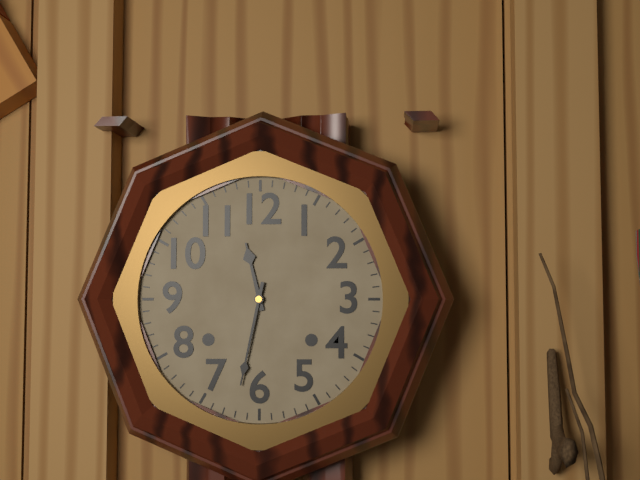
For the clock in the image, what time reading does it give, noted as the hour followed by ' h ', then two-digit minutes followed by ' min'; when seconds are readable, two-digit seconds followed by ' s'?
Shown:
11 h 32 min
